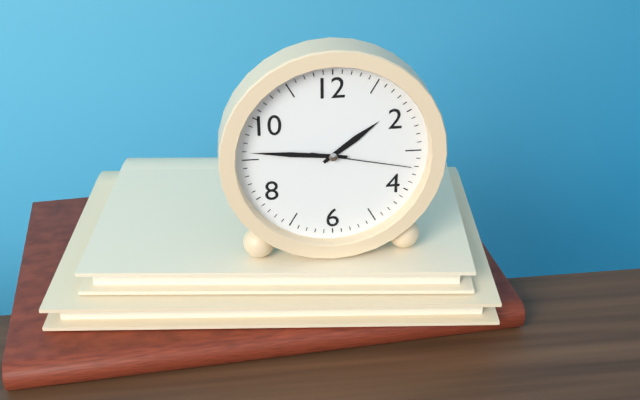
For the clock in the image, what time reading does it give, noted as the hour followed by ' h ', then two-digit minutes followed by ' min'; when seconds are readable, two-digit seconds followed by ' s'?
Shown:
1 h 46 min 17 s
